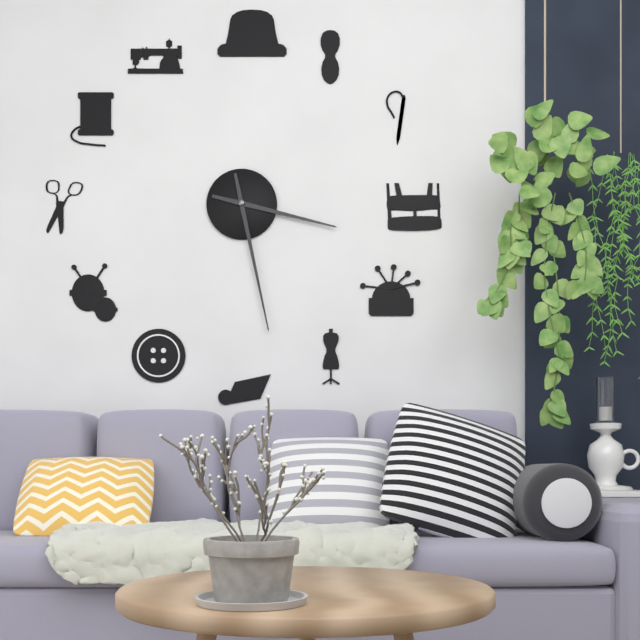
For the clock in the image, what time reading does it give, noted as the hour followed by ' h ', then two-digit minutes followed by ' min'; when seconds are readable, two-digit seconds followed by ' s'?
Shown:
3 h 28 min
